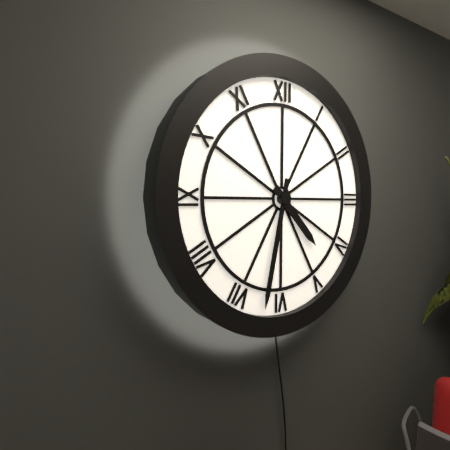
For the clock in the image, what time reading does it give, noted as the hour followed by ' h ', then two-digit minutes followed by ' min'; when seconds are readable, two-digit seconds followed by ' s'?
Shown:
4 h 32 min
